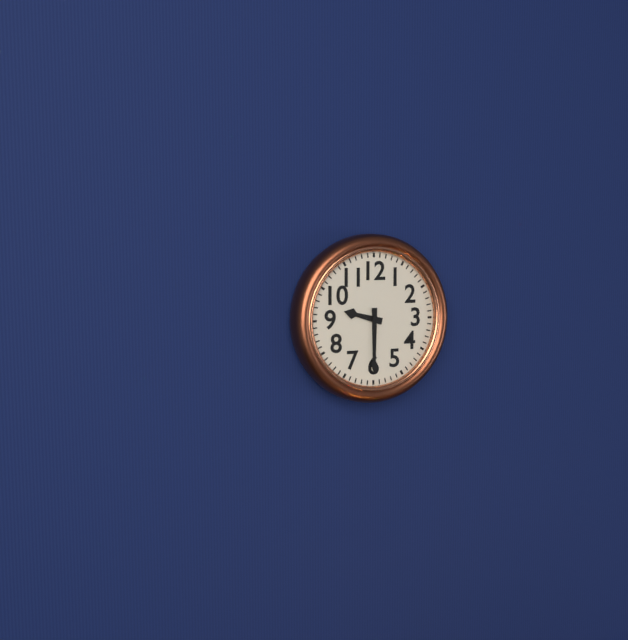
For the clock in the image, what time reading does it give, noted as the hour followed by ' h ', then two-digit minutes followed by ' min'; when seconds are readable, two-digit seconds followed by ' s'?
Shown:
9 h 30 min
